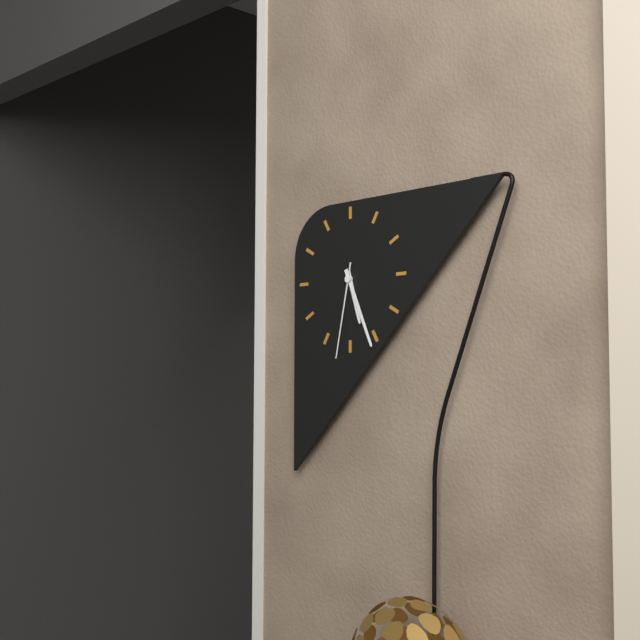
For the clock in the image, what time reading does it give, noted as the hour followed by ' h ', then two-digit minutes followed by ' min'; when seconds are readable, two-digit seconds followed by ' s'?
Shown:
5 h 26 min 32 s
